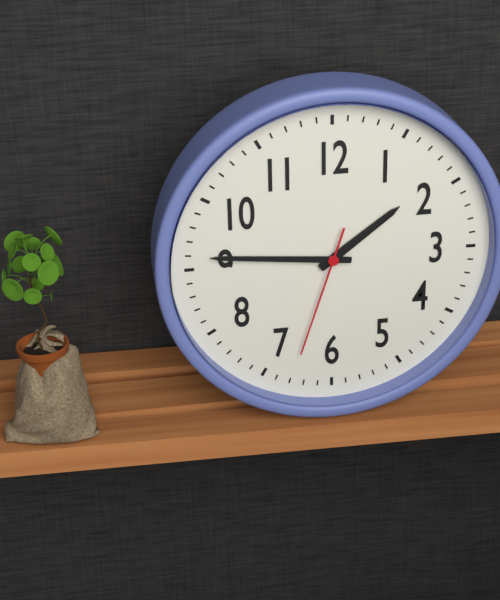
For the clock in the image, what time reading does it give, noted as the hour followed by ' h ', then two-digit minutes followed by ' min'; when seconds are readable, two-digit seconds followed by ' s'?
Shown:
1 h 46 min 33 s
